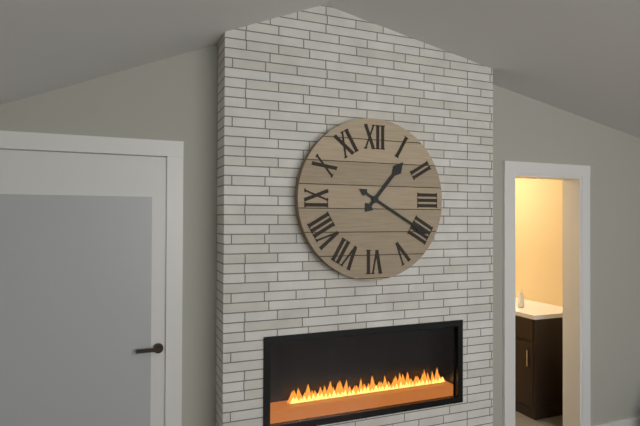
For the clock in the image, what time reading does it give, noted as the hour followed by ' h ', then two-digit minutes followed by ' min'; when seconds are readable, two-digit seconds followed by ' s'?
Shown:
1 h 20 min
